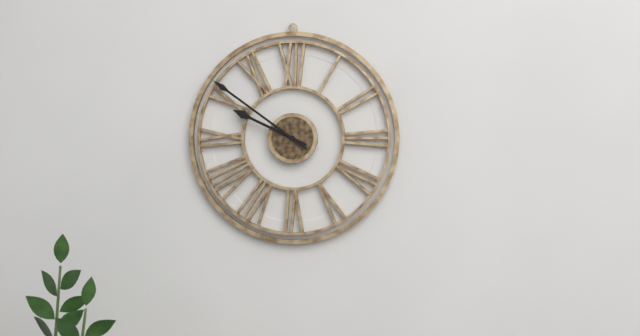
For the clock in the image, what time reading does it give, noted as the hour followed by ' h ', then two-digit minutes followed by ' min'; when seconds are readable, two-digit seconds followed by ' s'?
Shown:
9 h 51 min
